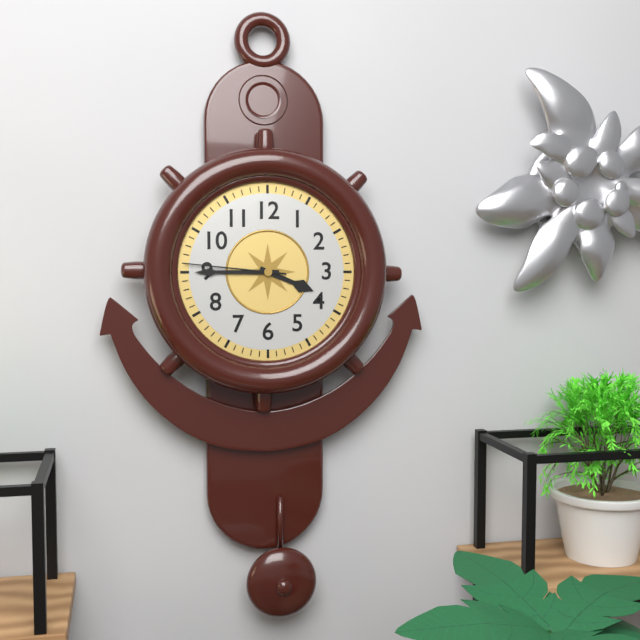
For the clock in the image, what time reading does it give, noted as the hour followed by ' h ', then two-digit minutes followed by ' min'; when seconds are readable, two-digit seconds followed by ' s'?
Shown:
3 h 45 min 46 s
